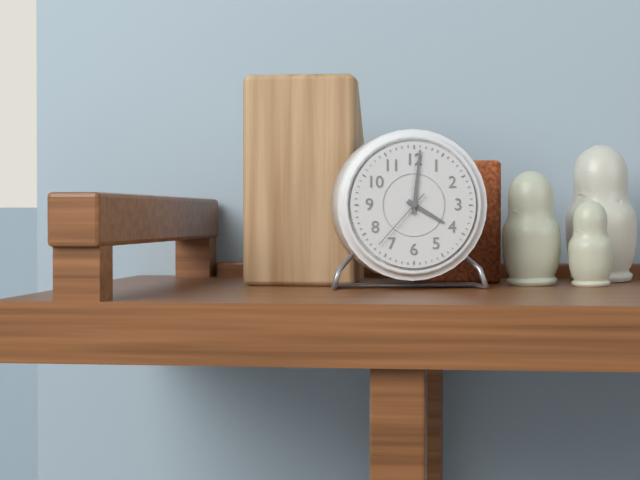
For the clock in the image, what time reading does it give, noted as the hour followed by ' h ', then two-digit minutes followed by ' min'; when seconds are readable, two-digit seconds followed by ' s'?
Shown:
4 h 01 min 37 s
